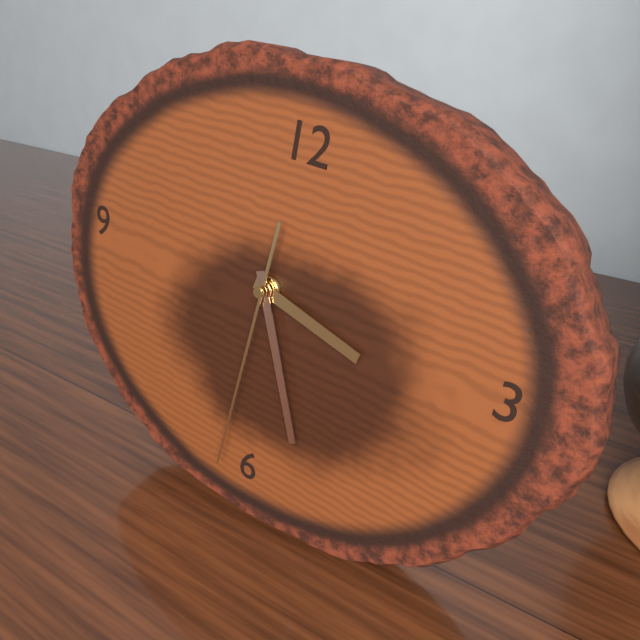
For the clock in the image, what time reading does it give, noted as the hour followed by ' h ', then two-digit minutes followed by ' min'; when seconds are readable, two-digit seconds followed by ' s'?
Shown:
3 h 26 min 31 s
